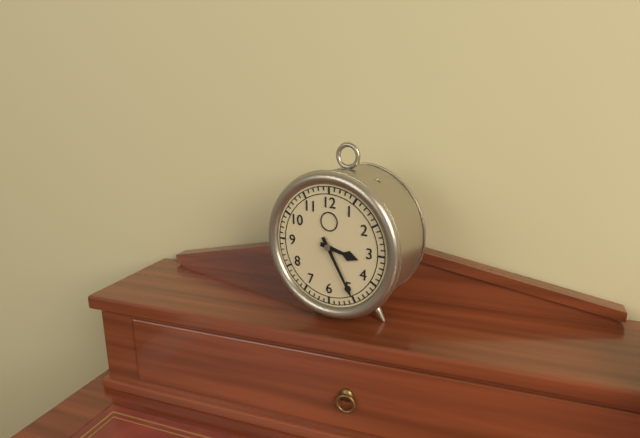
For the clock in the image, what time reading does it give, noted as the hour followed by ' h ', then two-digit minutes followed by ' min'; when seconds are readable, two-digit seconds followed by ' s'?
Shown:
3 h 25 min
